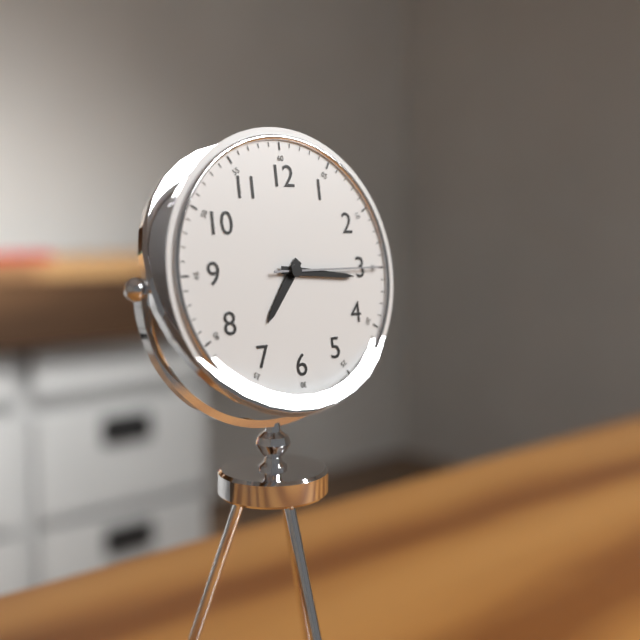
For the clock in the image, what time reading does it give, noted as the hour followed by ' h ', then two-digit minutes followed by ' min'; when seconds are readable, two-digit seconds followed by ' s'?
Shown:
7 h 16 min 15 s
